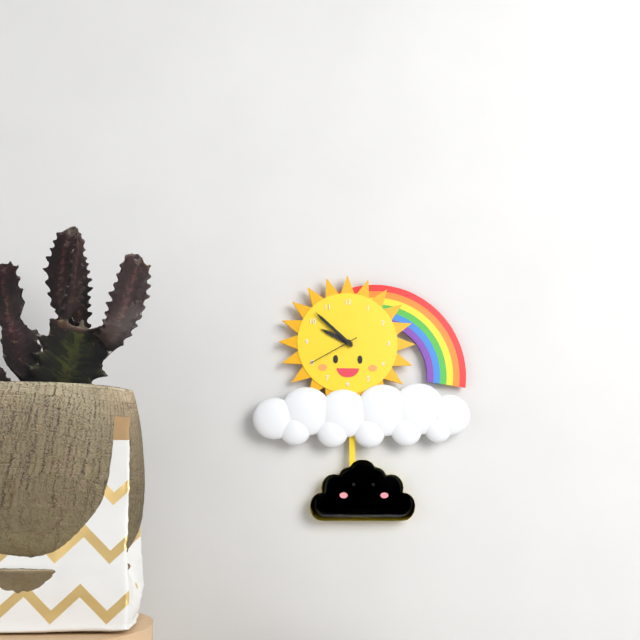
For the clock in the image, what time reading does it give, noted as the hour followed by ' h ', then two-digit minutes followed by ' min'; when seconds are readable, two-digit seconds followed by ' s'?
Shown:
9 h 52 min 40 s
